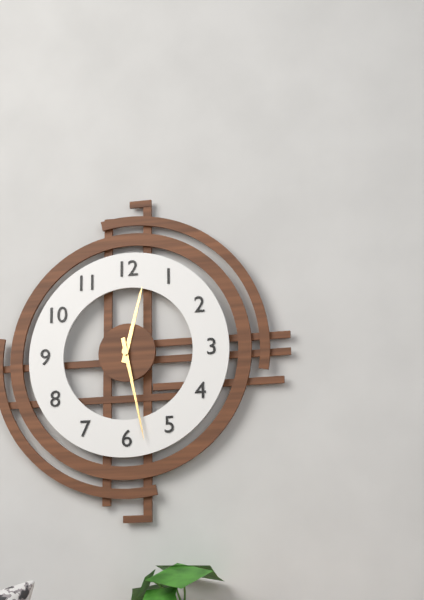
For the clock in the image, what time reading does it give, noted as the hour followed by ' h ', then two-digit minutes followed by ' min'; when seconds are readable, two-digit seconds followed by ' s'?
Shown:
12 h 28 min
